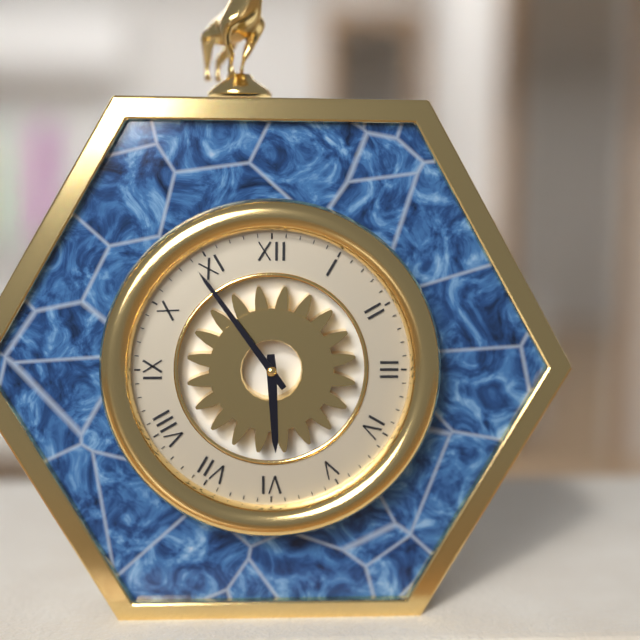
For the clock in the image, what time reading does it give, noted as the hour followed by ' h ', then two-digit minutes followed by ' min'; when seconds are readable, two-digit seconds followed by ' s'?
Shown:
5 h 54 min
